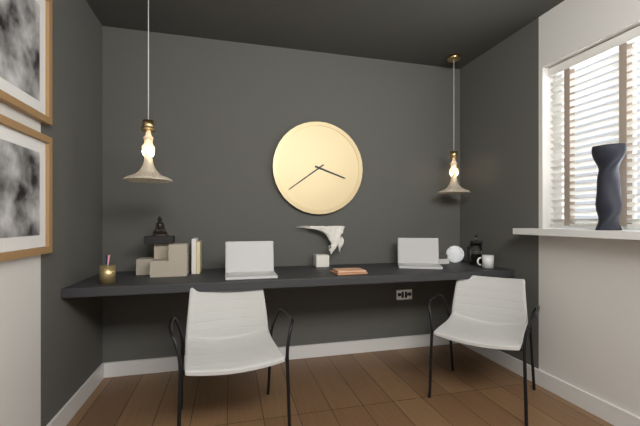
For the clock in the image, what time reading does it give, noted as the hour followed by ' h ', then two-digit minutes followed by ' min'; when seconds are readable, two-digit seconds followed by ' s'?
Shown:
3 h 39 min
